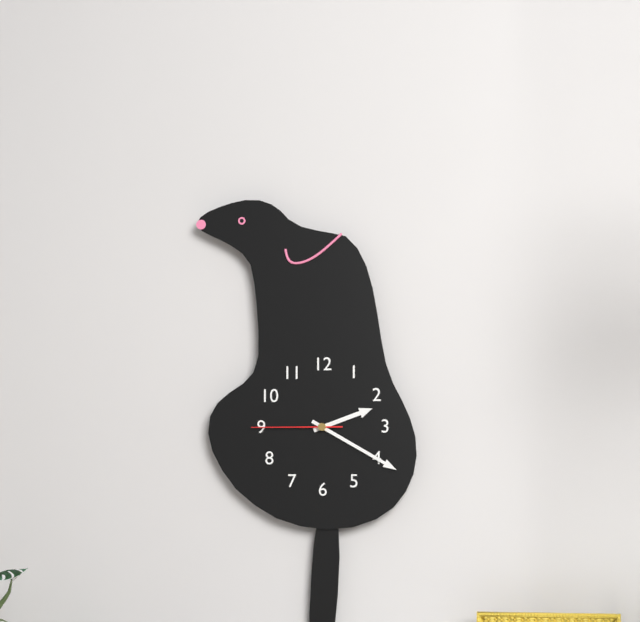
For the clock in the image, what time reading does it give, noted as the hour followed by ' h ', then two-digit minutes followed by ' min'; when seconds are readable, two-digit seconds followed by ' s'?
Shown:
2 h 20 min 45 s
